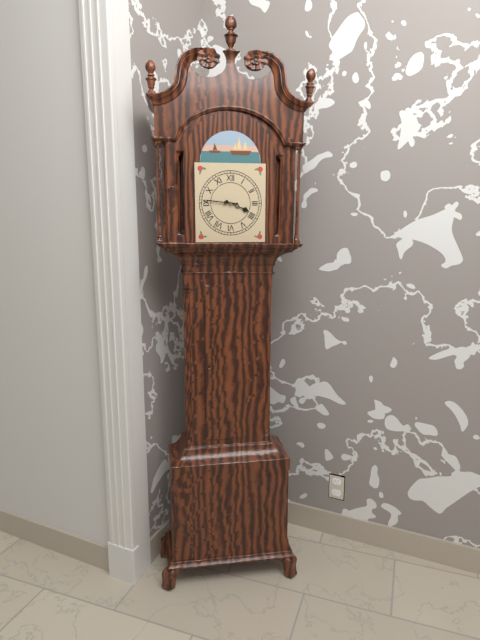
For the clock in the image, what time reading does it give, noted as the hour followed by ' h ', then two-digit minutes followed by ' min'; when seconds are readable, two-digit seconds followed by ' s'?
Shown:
3 h 46 min
